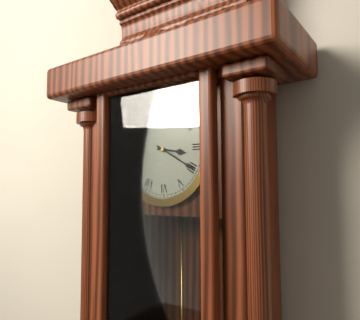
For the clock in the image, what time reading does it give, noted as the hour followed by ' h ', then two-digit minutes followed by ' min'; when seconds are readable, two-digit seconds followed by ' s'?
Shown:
3 h 20 min
